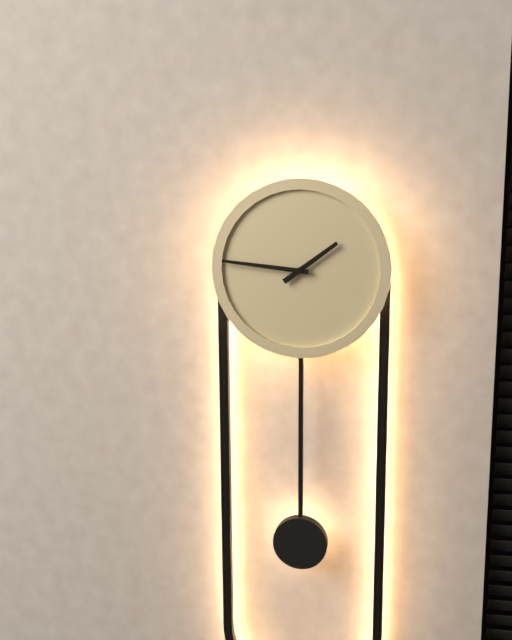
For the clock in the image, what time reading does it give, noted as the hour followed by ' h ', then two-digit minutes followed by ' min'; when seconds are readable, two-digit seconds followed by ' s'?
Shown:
1 h 46 min
